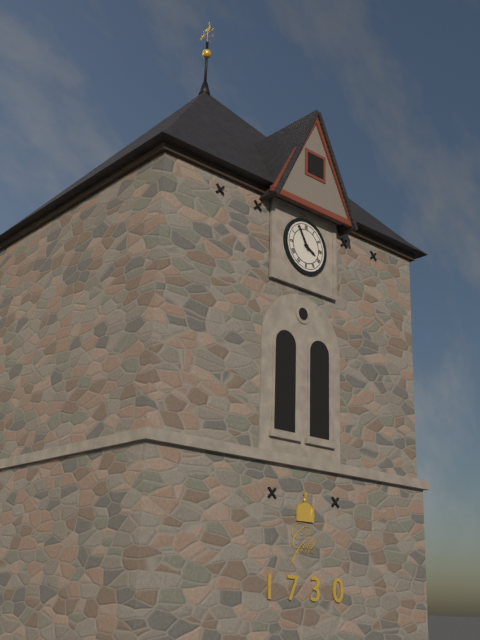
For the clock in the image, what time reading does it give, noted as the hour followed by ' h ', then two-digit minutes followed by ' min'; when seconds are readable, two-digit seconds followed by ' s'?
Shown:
3 h 55 min
